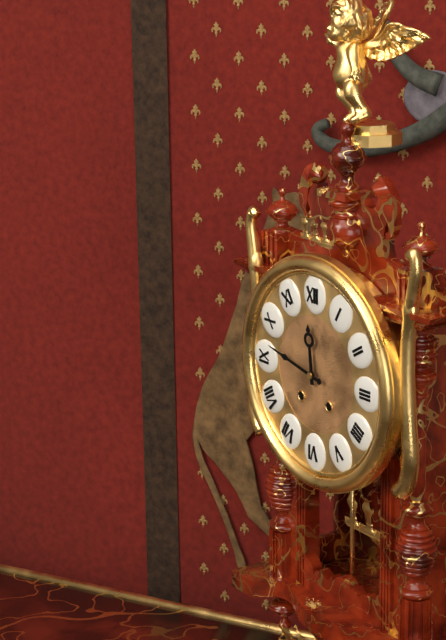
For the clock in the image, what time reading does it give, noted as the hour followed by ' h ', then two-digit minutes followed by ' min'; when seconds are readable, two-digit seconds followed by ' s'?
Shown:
11 h 47 min
